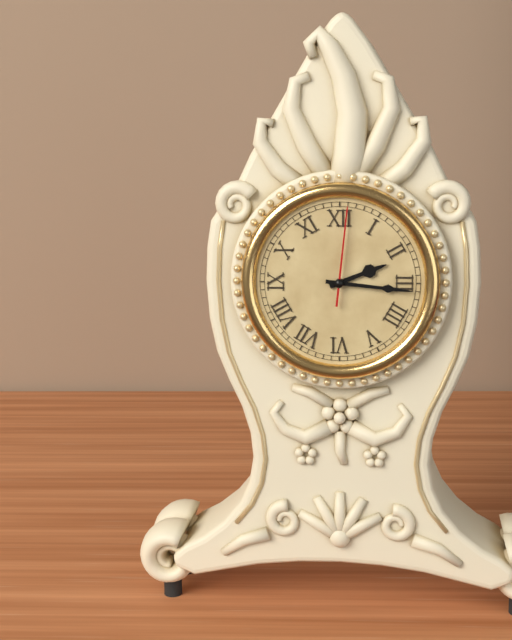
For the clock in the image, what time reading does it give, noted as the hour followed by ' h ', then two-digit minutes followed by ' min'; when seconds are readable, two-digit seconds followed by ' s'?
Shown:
2 h 16 min 01 s
